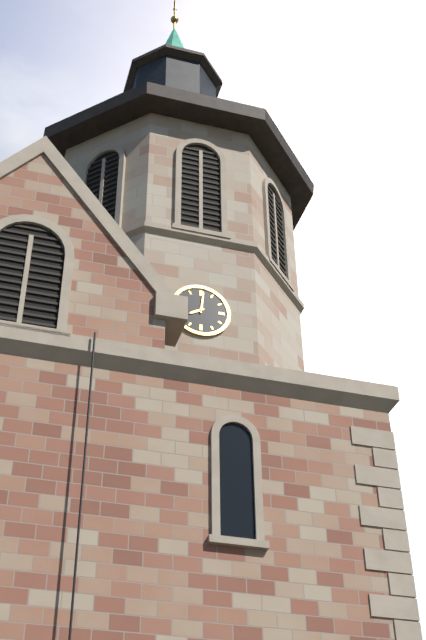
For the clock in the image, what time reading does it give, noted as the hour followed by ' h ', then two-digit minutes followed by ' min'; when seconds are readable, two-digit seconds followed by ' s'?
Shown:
8 h 01 min
